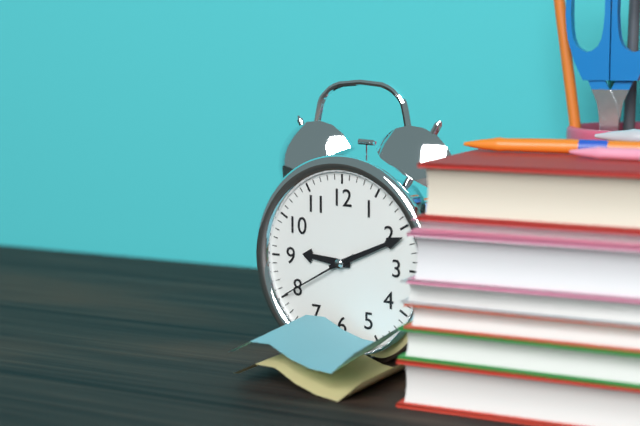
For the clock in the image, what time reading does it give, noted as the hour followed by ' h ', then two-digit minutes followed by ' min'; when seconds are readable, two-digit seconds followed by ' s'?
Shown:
9 h 11 min 40 s
